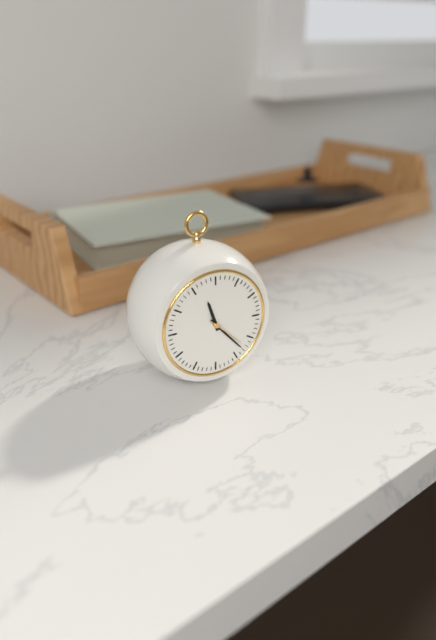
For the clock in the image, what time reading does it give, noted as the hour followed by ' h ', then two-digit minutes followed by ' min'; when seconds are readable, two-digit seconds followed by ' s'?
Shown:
11 h 23 min
